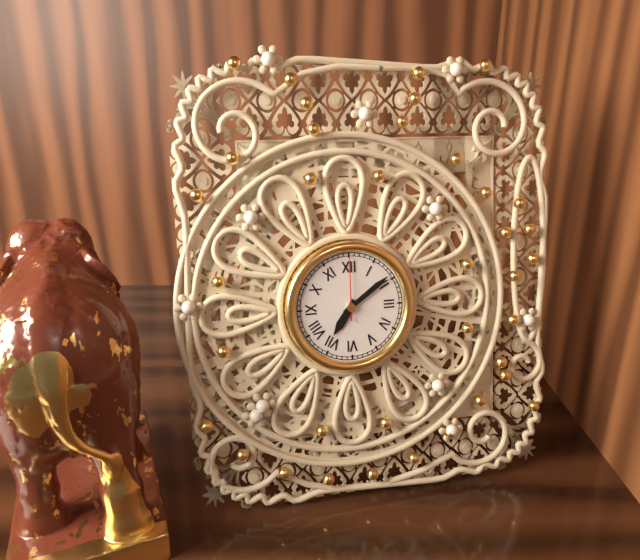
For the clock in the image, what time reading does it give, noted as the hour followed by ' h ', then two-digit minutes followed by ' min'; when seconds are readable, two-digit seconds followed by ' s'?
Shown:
7 h 09 min 00 s
